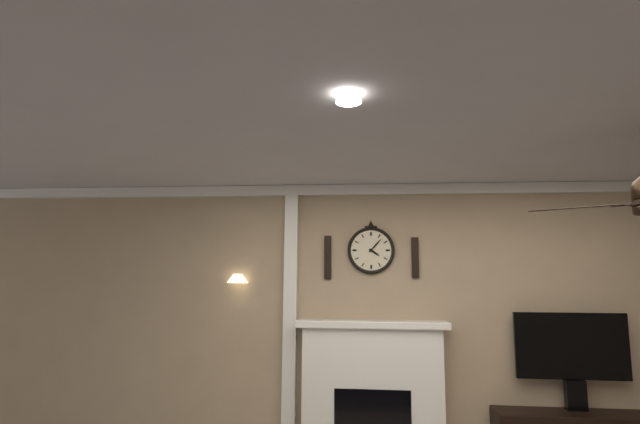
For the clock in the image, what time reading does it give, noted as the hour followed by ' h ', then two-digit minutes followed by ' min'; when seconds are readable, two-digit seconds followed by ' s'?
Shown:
4 h 07 min
